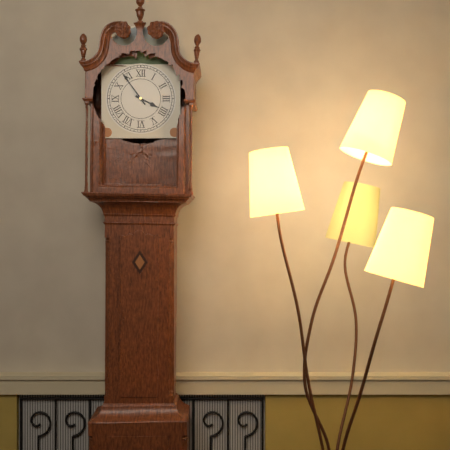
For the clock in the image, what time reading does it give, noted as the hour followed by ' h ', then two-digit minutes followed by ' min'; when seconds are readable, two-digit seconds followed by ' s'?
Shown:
3 h 54 min
